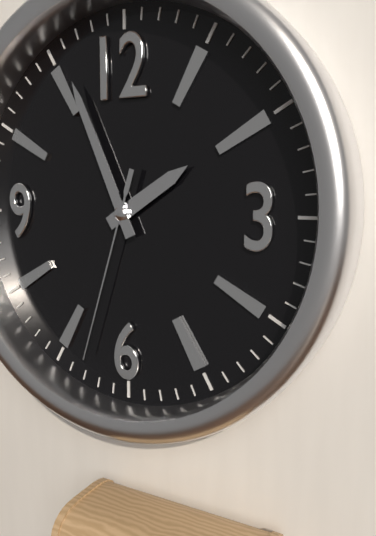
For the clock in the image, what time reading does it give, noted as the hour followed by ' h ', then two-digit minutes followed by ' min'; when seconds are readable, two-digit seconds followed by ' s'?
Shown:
1 h 56 min 33 s
